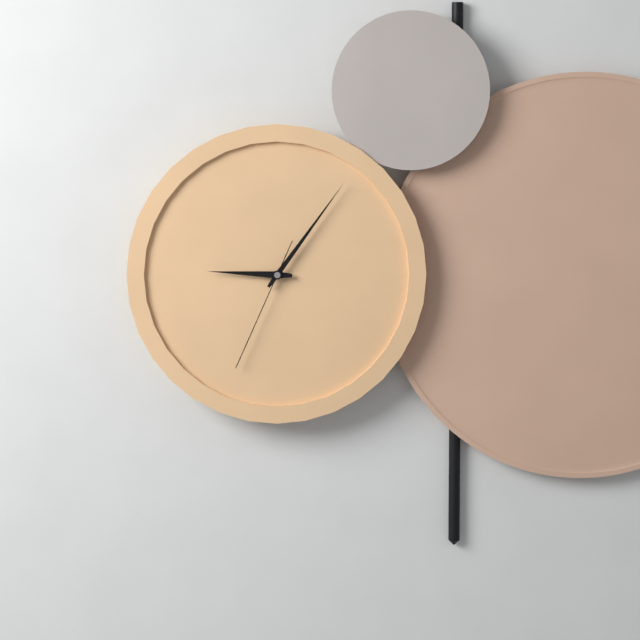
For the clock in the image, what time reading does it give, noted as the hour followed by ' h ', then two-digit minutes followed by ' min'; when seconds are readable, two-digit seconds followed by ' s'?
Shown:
9 h 06 min 34 s
